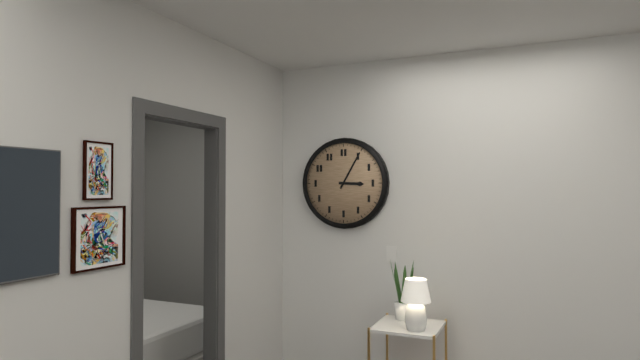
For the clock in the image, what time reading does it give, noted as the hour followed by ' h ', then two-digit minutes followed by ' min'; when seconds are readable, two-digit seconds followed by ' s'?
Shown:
3 h 05 min
